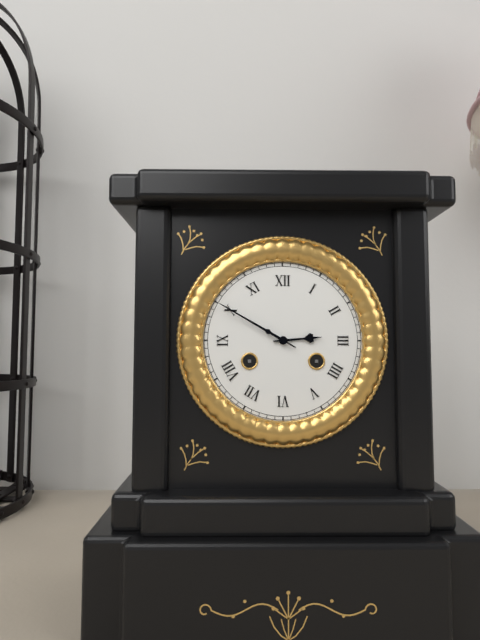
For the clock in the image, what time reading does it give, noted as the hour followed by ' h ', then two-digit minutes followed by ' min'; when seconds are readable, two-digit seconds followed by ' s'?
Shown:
2 h 50 min
